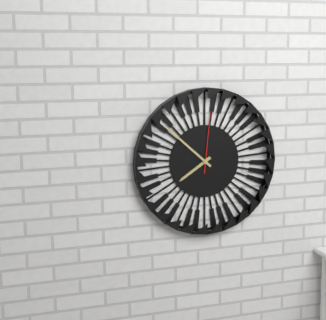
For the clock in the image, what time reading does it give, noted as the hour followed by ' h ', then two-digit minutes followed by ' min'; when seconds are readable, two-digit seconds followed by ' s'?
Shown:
7 h 52 min 01 s
